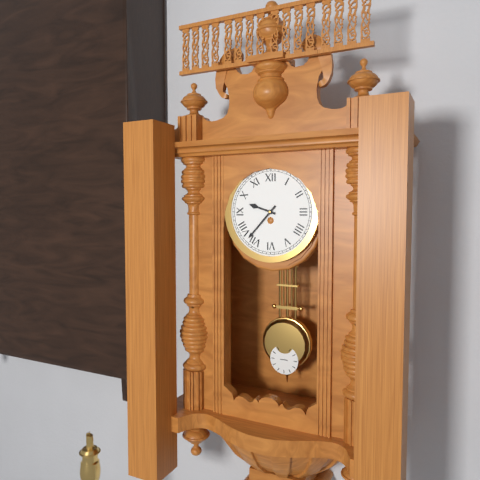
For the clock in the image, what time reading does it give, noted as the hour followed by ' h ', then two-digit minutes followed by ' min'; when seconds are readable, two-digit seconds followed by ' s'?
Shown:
9 h 37 min
